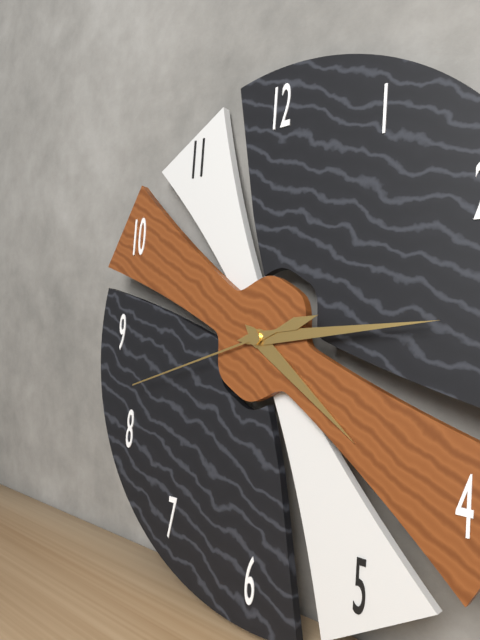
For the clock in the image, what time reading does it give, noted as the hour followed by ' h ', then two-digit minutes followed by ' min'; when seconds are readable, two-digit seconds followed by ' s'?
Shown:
4 h 14 min 42 s
